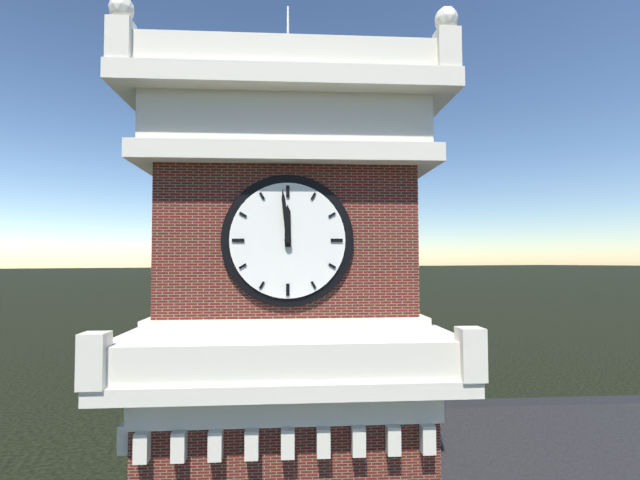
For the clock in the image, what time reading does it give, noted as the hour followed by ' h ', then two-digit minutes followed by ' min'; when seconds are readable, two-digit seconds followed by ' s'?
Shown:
11 h 59 min
